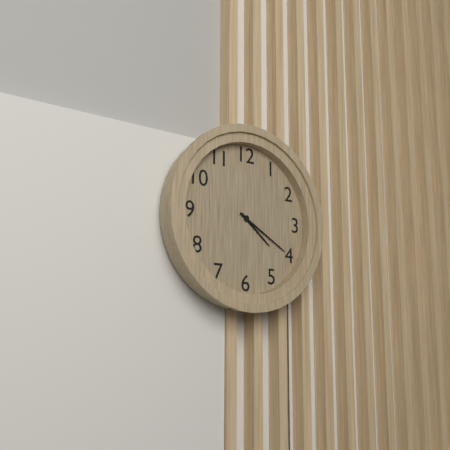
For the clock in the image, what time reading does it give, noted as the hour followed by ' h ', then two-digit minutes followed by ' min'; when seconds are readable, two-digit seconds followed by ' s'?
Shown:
4 h 20 min
